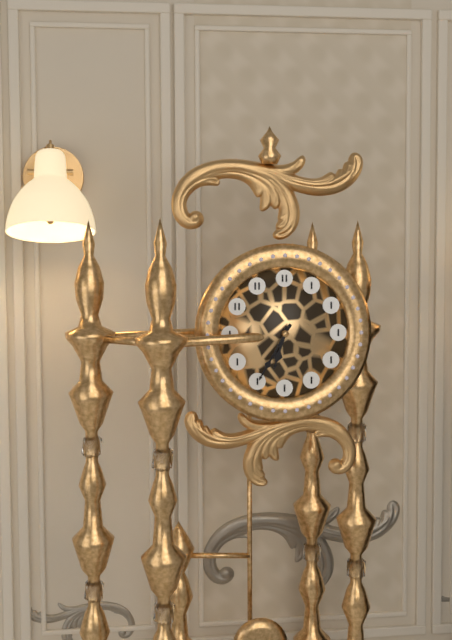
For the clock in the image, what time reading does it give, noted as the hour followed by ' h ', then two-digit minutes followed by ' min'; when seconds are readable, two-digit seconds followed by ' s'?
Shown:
6 h 35 min
